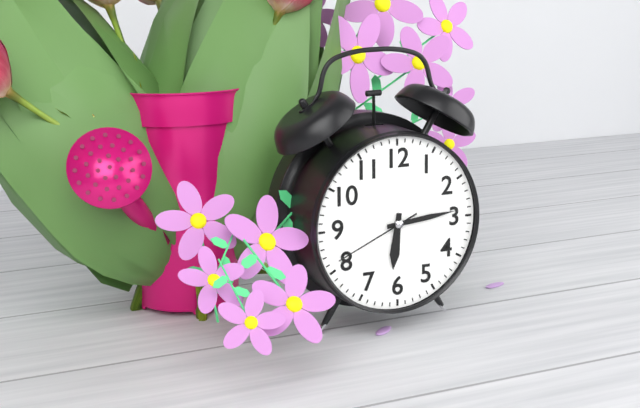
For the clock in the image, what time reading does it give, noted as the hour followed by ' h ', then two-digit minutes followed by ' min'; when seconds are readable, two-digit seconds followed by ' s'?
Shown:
6 h 14 min 41 s
